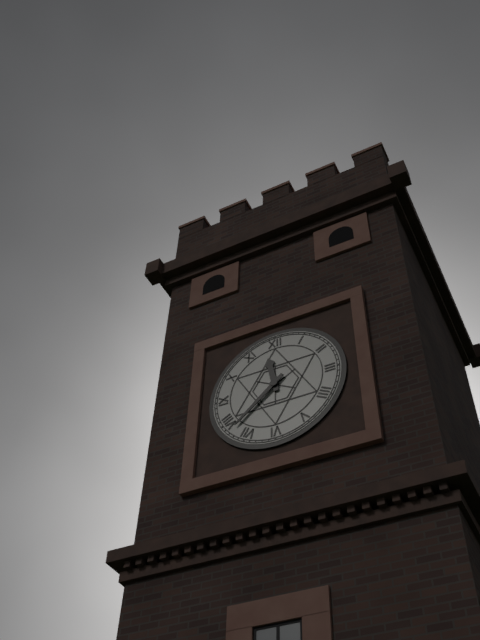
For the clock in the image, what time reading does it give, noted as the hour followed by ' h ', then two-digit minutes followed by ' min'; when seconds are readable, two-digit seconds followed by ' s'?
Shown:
11 h 38 min
